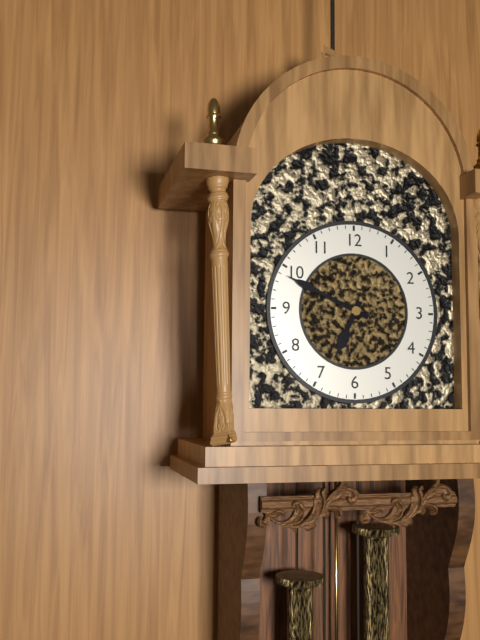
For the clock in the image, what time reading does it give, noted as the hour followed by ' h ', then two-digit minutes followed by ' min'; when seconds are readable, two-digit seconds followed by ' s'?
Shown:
6 h 49 min
